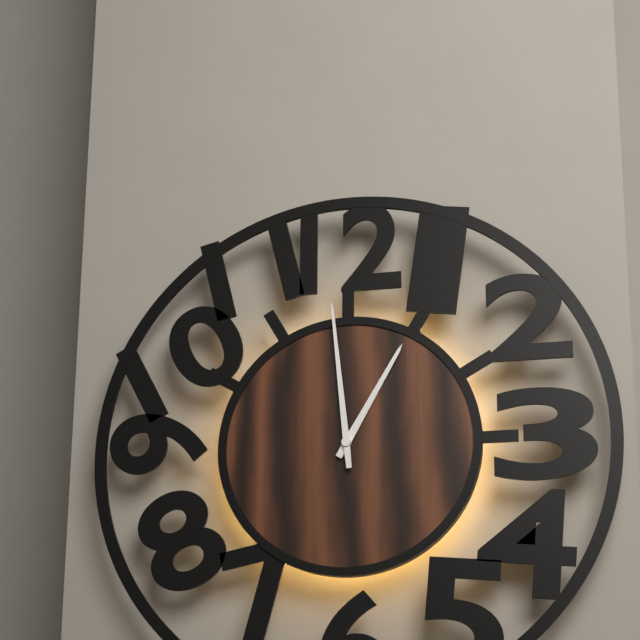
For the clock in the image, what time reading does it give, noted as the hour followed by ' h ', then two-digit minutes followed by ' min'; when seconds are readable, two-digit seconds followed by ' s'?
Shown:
12 h 59 min
